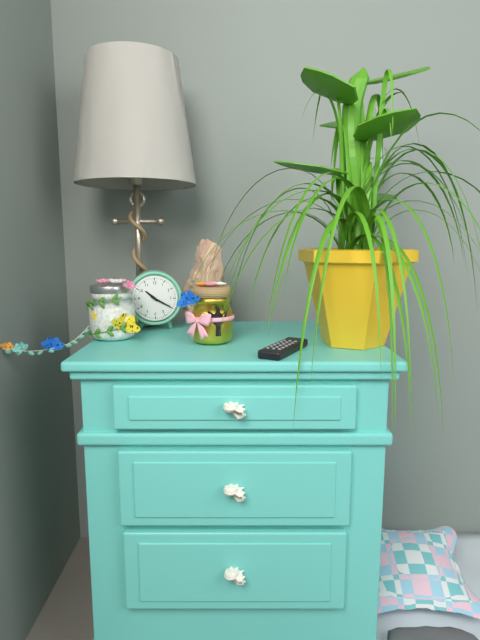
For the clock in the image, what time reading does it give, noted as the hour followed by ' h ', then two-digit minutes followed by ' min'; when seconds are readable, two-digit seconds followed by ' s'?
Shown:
10 h 20 min
